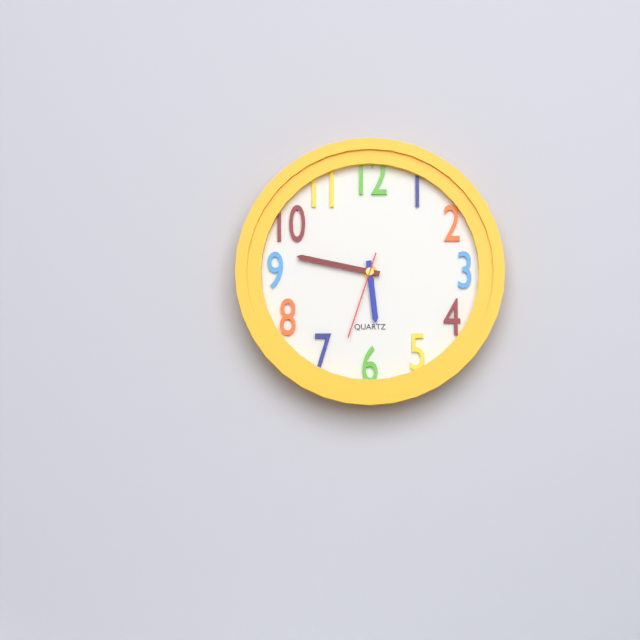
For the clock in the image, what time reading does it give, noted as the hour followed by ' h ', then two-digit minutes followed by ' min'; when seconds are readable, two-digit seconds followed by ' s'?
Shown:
5 h 47 min 33 s
